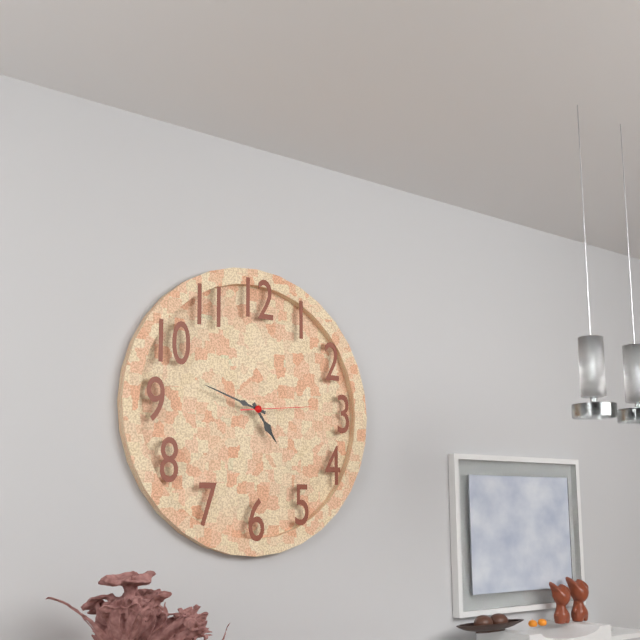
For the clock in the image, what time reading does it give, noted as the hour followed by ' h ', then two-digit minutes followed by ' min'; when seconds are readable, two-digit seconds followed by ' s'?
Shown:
4 h 48 min 14 s
